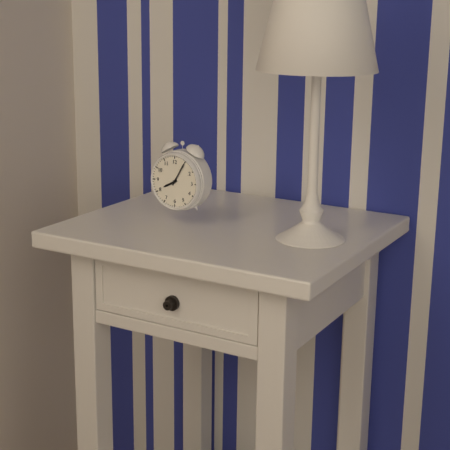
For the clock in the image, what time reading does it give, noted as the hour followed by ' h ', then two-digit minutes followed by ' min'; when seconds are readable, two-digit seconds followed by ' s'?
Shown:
8 h 05 min
